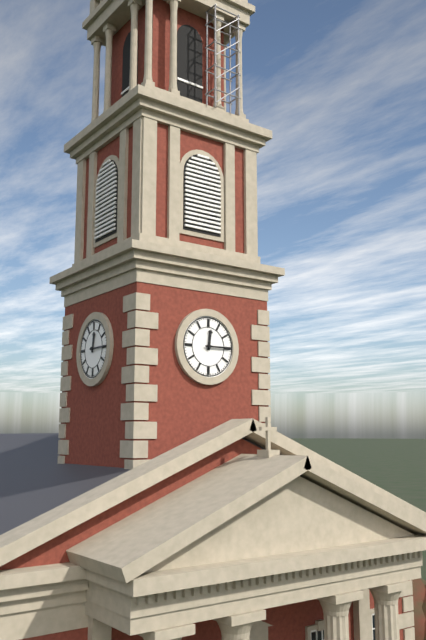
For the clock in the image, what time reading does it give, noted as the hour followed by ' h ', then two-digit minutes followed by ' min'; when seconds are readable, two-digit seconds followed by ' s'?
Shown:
12 h 15 min
